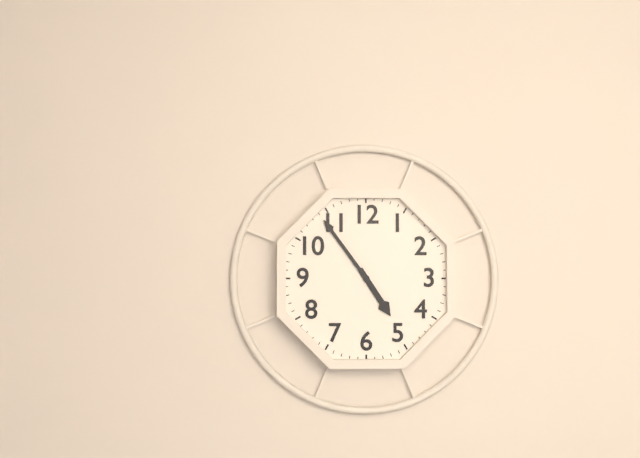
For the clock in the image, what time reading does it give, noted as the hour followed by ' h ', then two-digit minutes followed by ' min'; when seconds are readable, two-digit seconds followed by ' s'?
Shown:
4 h 54 min
